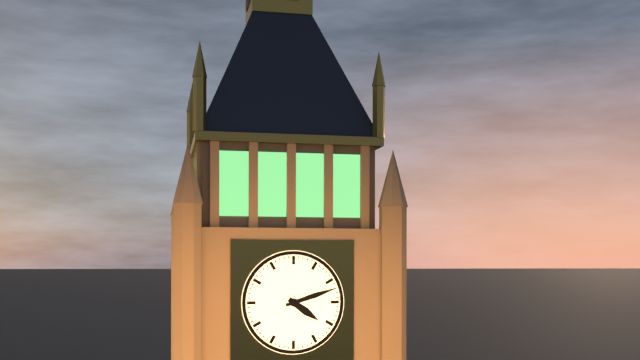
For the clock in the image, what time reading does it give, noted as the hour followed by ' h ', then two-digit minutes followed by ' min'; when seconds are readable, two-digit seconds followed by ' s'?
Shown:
4 h 12 min
